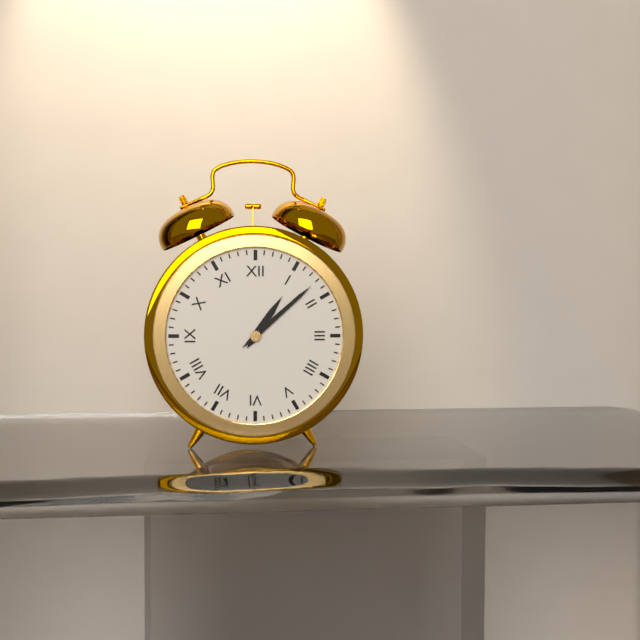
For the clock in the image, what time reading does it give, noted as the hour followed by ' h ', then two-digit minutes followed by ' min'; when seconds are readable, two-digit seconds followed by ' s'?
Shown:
1 h 08 min
